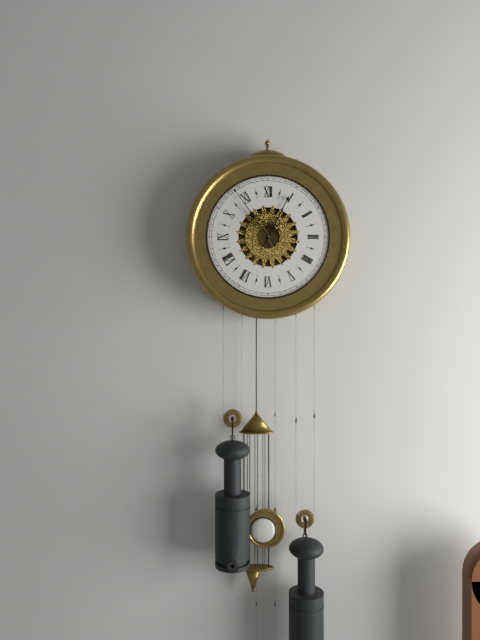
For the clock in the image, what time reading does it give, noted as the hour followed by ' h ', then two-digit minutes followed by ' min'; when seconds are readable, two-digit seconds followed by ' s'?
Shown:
12 h 54 min
